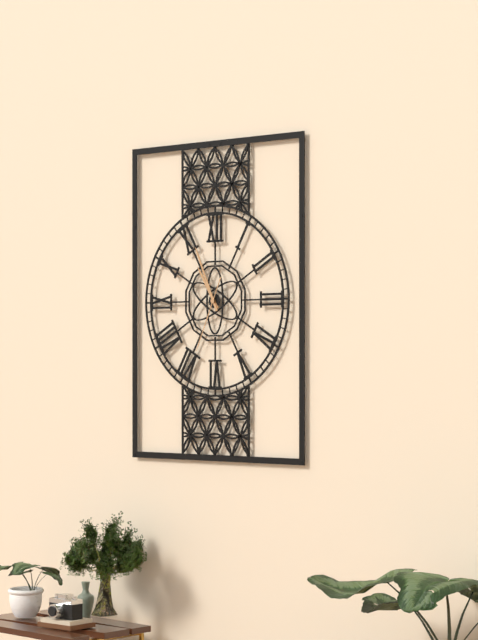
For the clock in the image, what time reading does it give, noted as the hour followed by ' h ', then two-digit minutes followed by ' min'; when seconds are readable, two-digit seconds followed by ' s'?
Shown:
10 h 56 min 34 s
